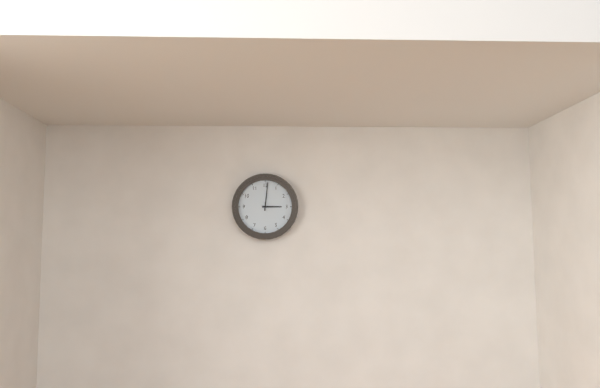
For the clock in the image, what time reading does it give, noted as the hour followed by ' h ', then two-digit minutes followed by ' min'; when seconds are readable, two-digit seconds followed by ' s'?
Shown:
3 h 01 min
